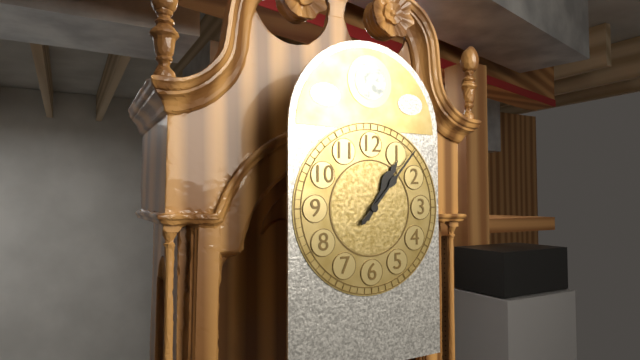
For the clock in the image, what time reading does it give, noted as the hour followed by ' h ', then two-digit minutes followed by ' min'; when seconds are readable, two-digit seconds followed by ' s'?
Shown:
1 h 07 min
